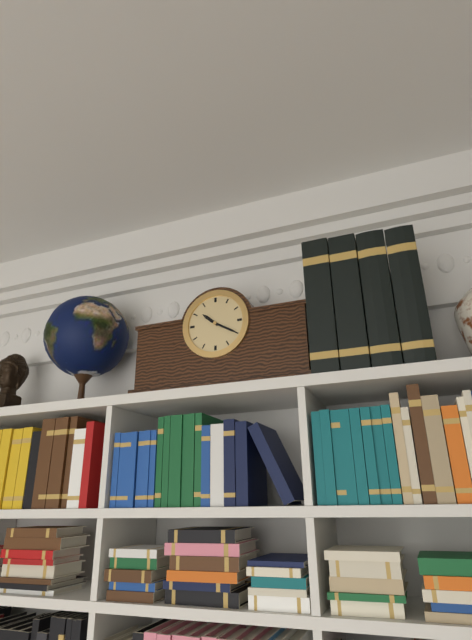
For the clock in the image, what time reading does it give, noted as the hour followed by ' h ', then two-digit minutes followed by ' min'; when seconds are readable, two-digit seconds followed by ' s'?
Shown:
10 h 20 min
